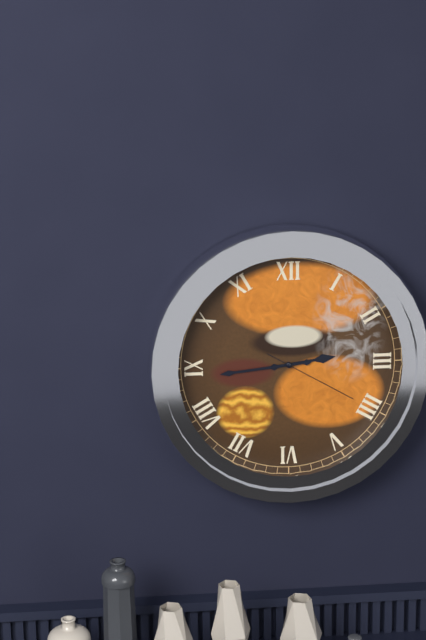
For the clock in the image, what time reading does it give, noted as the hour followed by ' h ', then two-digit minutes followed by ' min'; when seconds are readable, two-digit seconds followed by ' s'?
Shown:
2 h 44 min 20 s
